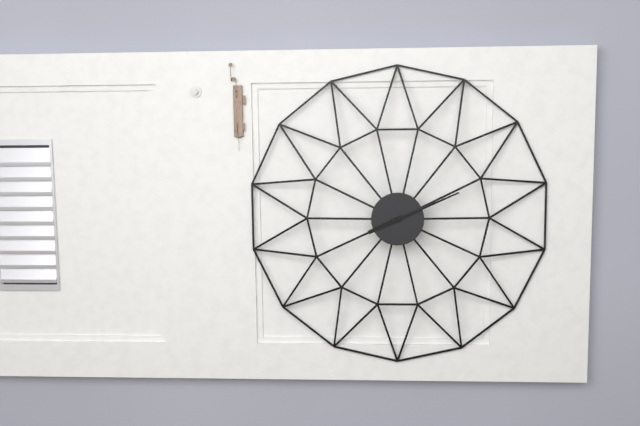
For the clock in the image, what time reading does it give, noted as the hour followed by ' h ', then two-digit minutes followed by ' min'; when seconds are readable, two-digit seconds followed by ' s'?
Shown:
8 h 11 min
